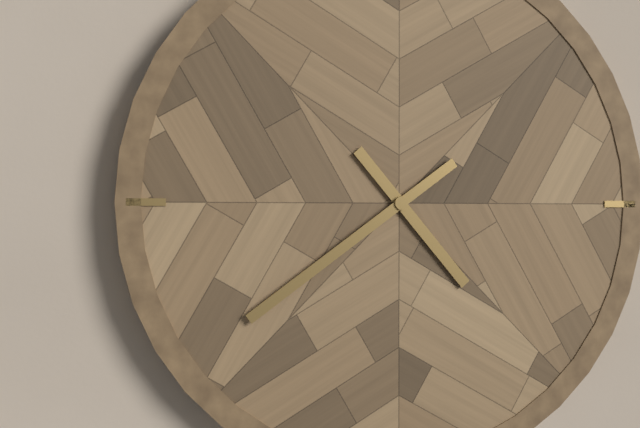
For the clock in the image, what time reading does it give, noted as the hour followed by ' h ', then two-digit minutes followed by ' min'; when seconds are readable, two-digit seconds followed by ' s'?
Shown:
4 h 39 min
